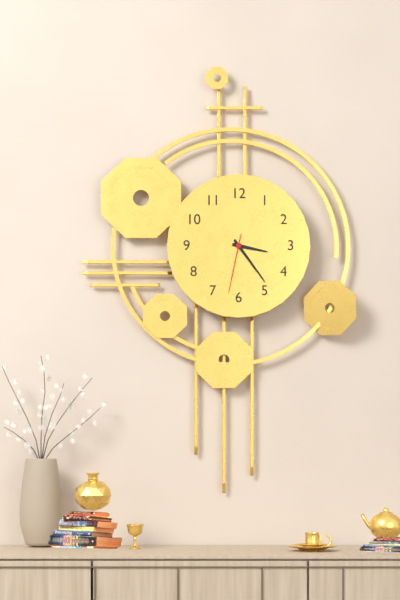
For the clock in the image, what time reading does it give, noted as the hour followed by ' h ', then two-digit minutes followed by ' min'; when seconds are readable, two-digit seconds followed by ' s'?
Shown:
3 h 24 min 32 s
